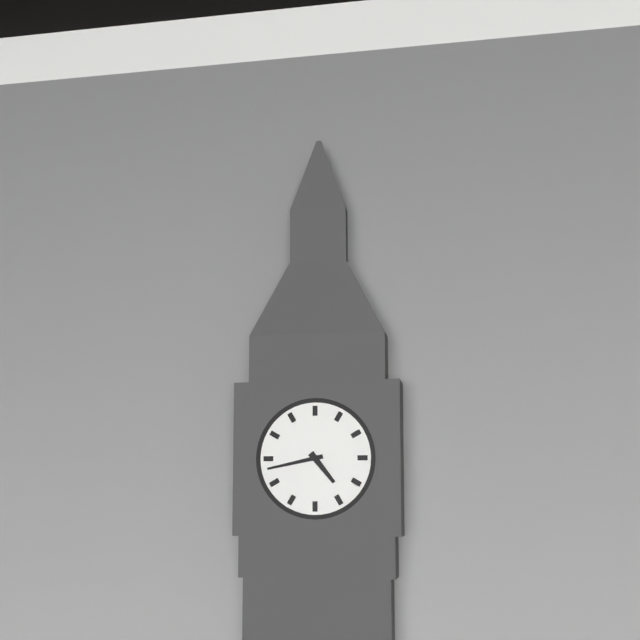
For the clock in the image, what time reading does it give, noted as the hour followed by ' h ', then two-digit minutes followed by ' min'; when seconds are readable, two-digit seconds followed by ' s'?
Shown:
4 h 43 min
